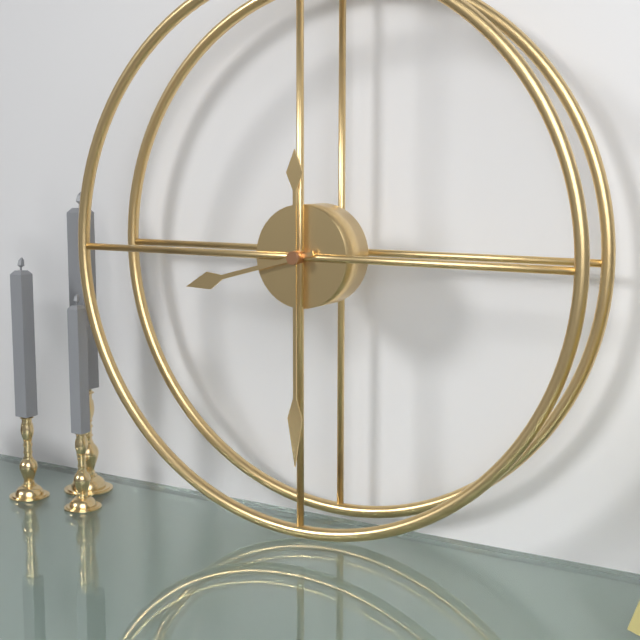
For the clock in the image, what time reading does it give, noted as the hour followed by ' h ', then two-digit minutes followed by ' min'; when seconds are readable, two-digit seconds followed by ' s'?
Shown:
8 h 30 min
